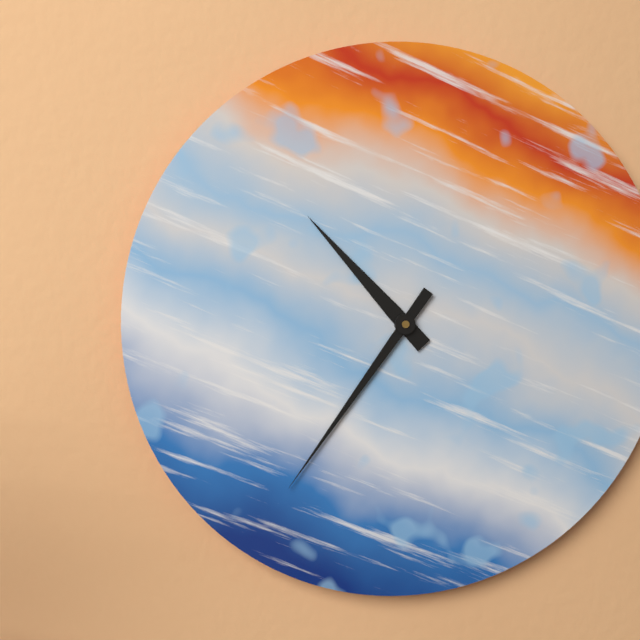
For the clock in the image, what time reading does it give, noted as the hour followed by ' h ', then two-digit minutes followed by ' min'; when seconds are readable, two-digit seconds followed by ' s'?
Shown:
10 h 36 min
